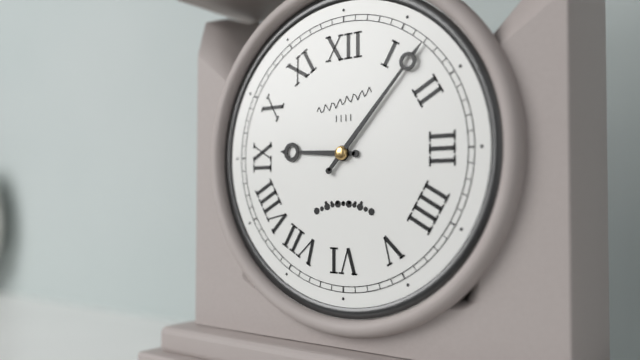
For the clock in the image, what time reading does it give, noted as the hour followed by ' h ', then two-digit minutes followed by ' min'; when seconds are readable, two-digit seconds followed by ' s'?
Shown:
9 h 07 min
